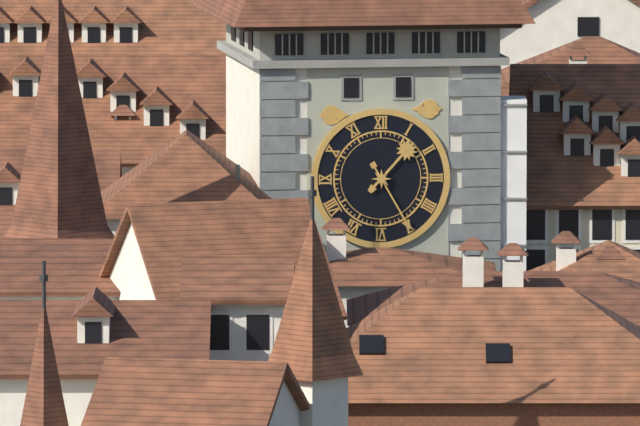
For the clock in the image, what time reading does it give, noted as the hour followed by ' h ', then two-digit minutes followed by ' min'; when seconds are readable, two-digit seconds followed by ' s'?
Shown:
1 h 25 min
